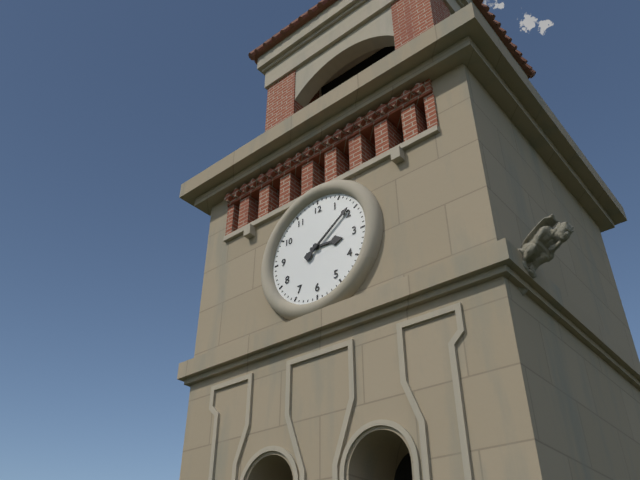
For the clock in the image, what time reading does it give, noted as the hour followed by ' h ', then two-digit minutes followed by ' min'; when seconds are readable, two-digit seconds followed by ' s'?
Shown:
3 h 09 min
